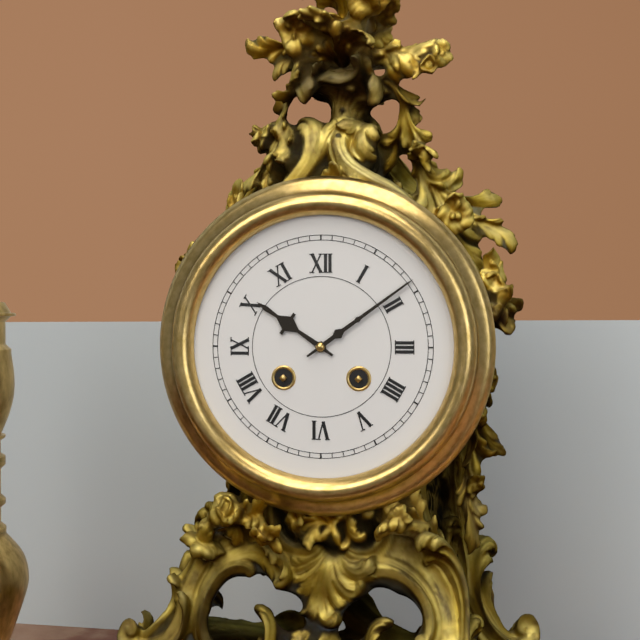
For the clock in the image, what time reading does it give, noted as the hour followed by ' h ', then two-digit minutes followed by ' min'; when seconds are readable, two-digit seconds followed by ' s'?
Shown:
10 h 09 min
